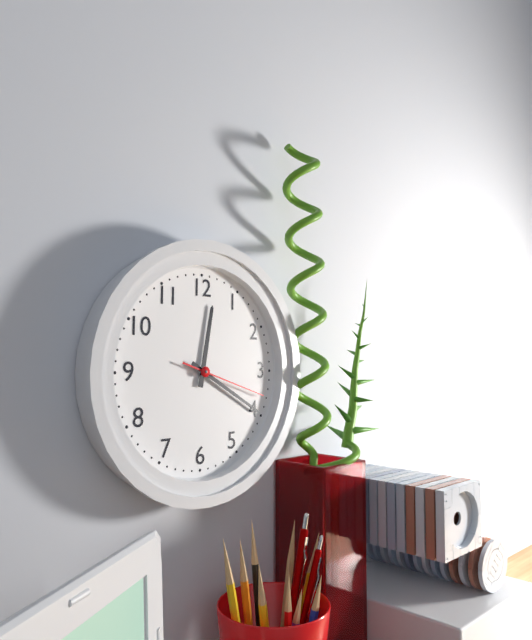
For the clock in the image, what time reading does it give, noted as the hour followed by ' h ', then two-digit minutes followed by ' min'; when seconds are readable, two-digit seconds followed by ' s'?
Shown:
12 h 20 min 18 s
